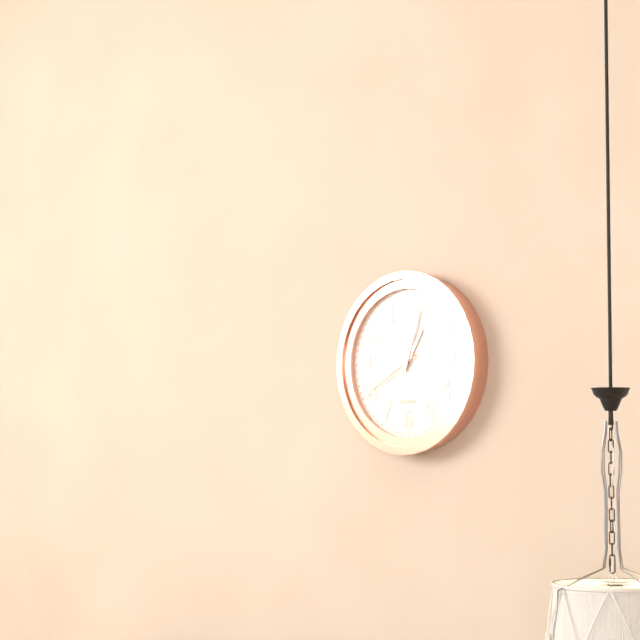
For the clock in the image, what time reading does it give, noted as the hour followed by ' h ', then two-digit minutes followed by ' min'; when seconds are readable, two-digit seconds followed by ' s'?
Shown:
1 h 03 min 40 s
